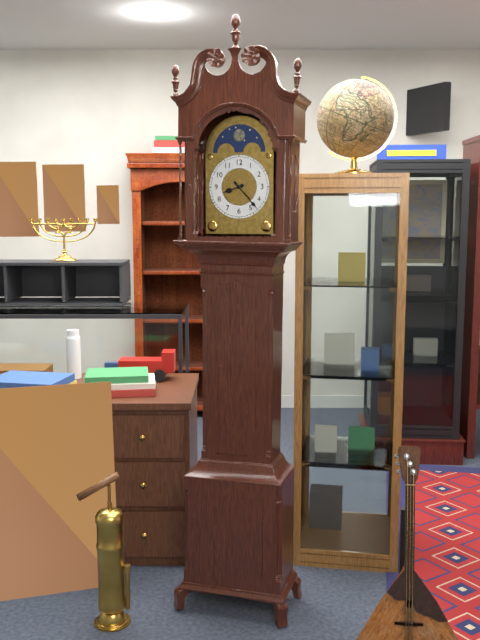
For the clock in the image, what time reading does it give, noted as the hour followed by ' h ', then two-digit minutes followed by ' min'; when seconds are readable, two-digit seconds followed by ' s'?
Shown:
8 h 23 min
